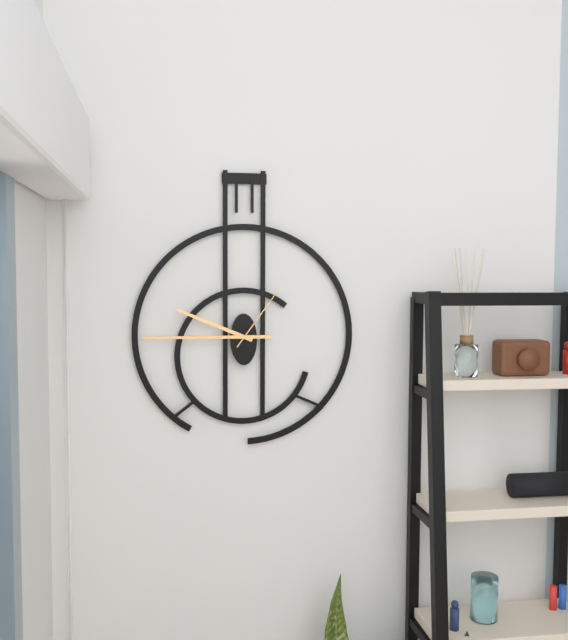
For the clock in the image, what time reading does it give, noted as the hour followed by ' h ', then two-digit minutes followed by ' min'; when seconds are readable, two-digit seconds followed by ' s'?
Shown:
9 h 45 min 06 s
